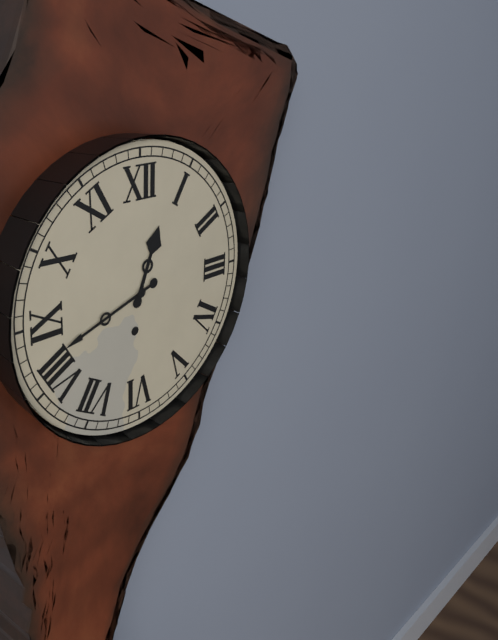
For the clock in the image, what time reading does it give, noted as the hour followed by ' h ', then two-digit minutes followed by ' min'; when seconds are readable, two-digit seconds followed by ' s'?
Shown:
12 h 42 min
